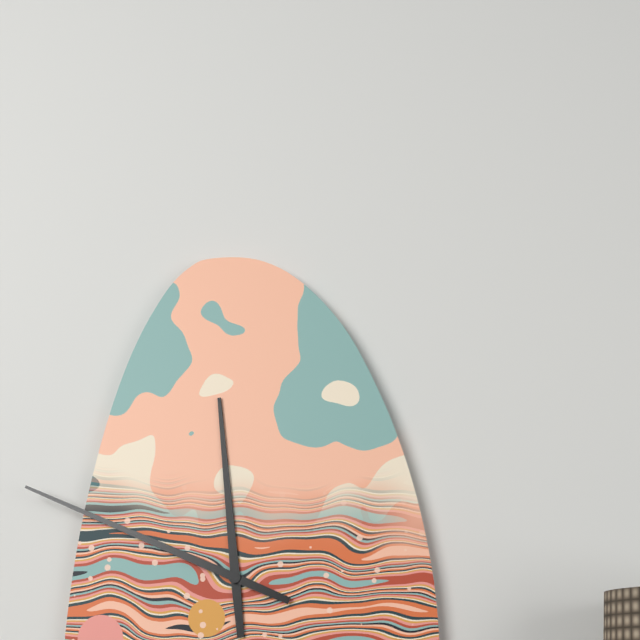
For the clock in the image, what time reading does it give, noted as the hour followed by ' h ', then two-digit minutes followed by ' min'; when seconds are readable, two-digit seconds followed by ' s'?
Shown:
11 h 49 min
